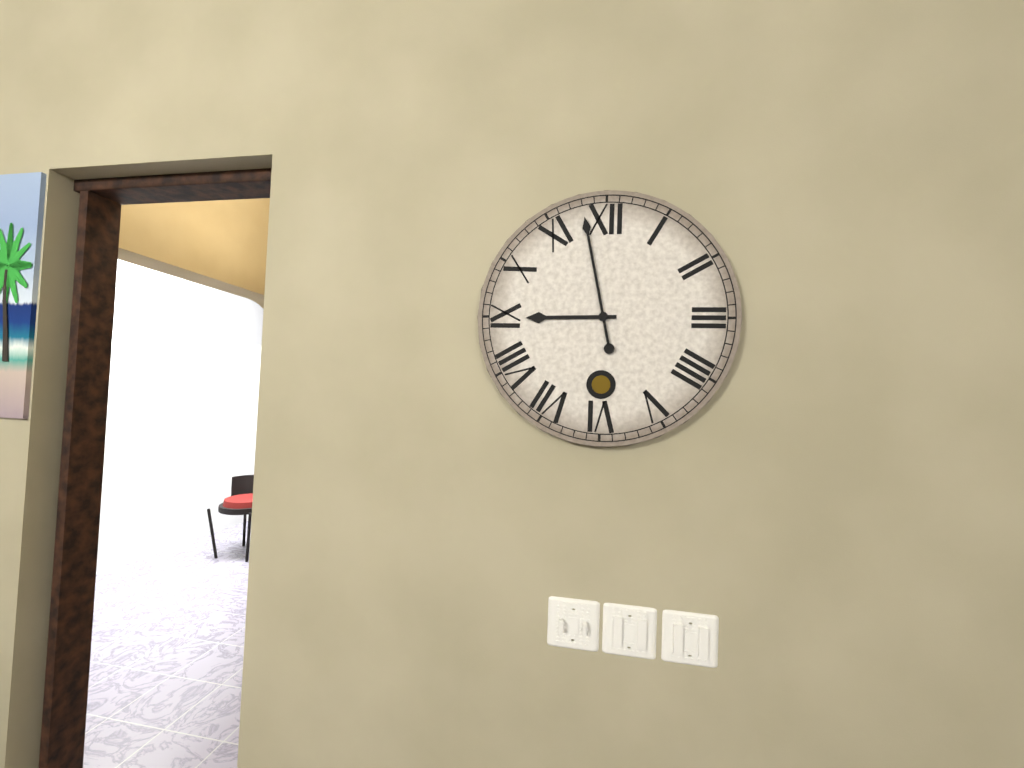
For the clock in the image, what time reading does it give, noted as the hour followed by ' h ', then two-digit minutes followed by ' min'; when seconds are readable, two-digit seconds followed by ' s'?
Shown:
8 h 58 min
